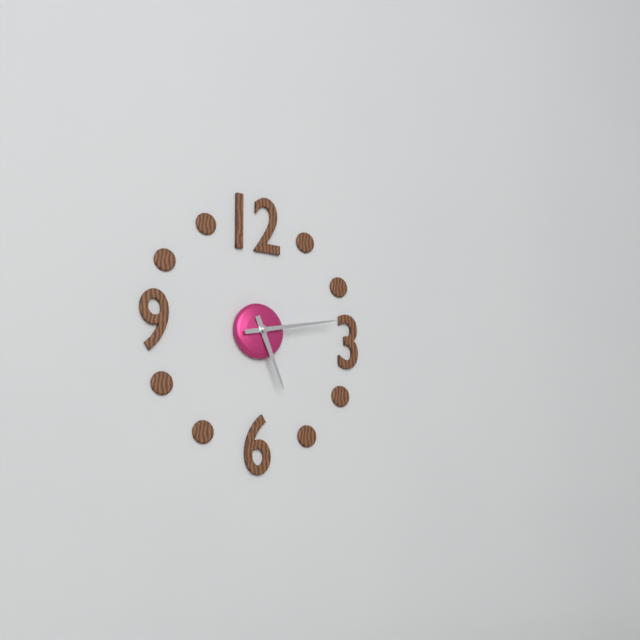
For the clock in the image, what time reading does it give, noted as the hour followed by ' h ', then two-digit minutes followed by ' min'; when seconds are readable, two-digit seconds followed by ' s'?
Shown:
5 h 13 min
